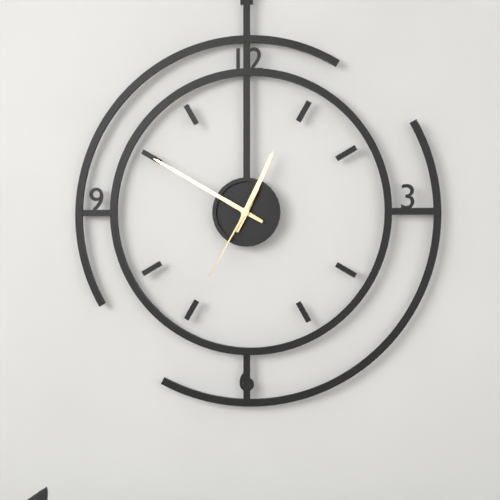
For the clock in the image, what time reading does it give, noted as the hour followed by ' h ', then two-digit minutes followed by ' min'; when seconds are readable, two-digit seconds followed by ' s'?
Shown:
12 h 50 min 35 s
